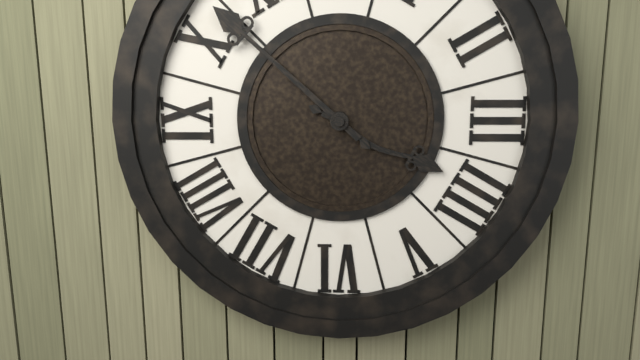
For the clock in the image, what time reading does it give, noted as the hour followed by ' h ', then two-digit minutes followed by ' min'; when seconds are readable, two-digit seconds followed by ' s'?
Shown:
3 h 52 min
